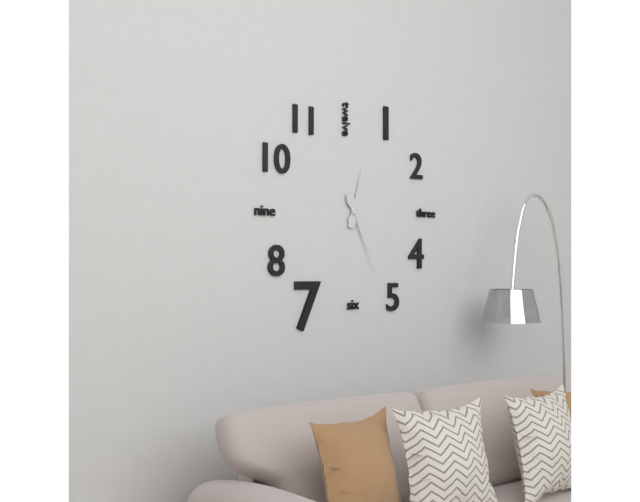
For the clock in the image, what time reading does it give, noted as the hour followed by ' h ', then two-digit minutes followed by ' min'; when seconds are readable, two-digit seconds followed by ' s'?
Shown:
12 h 26 min
